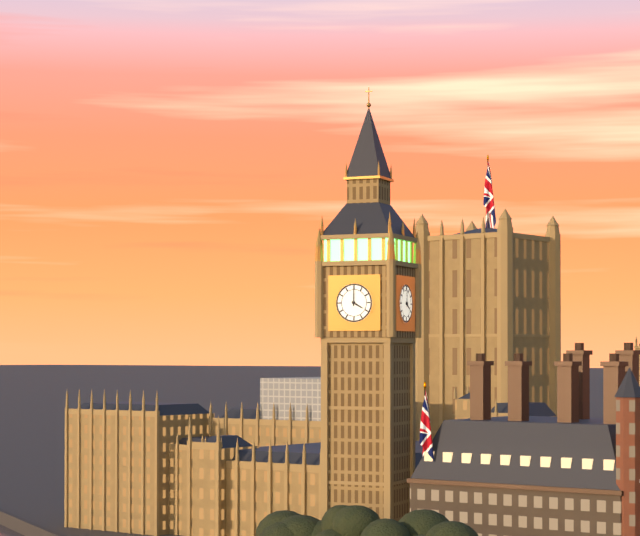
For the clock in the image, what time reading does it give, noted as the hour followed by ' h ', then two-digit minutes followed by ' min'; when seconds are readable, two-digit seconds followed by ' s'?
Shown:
4 h 00 min
